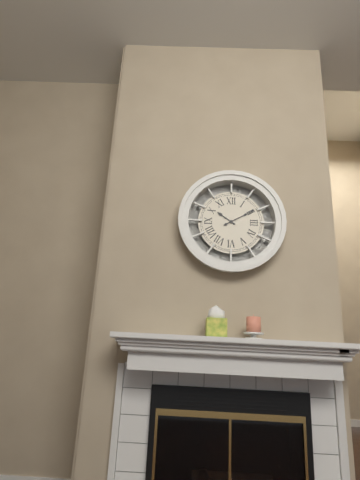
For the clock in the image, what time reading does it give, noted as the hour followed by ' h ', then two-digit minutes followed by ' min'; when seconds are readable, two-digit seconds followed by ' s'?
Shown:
10 h 10 min
